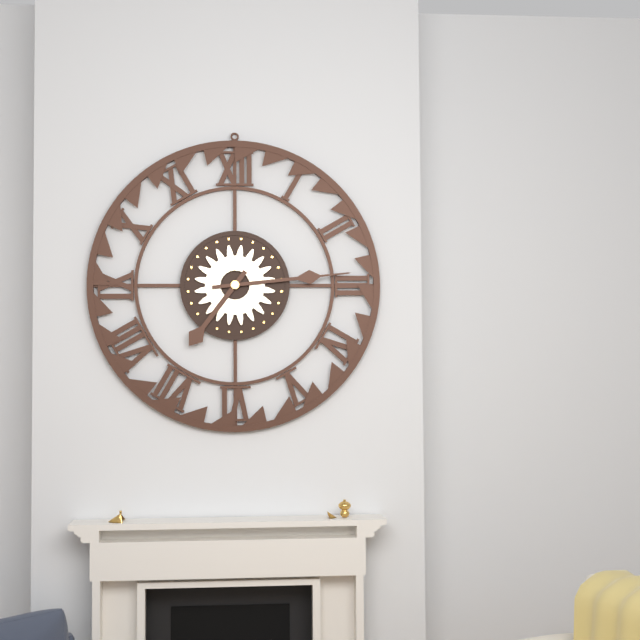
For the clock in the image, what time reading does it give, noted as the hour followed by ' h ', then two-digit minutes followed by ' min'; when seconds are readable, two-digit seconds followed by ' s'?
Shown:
7 h 14 min
